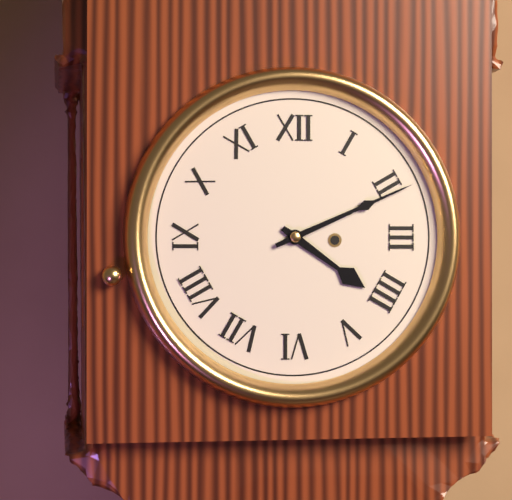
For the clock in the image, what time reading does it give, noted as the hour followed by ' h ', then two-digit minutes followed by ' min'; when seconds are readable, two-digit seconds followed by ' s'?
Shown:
4 h 11 min
